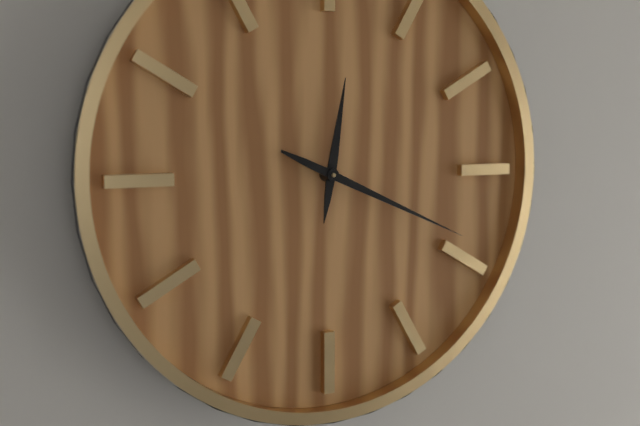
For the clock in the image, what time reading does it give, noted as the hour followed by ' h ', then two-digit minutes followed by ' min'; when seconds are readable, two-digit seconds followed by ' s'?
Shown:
12 h 19 min
